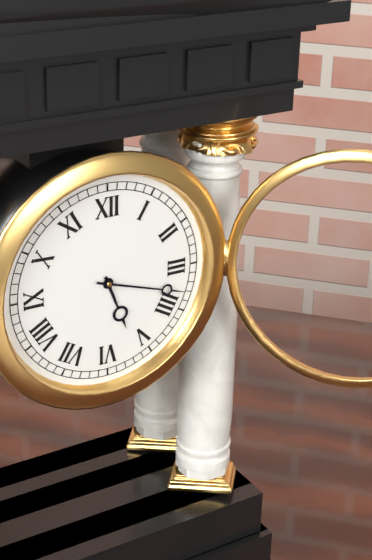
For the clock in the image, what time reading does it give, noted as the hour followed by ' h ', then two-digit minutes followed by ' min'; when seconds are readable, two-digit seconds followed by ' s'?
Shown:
5 h 18 min
